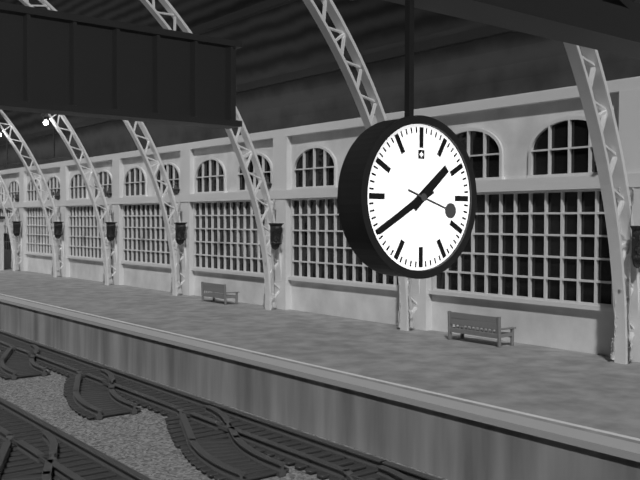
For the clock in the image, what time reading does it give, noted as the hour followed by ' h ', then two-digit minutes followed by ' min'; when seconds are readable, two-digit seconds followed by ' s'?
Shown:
1 h 40 min 18 s
